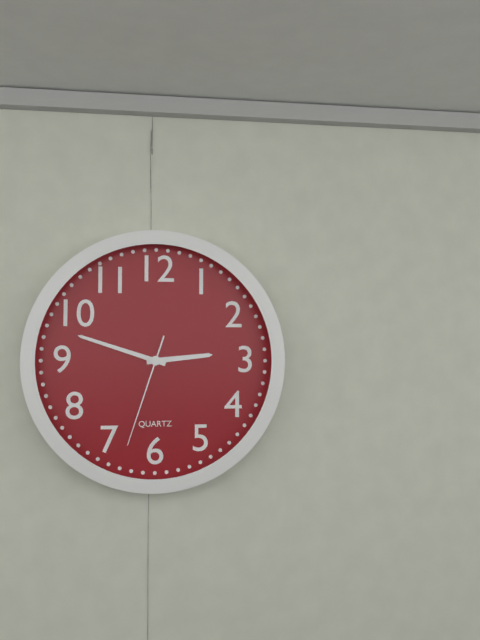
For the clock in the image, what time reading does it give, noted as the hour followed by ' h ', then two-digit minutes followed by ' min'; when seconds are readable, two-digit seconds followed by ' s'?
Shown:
2 h 48 min 33 s
